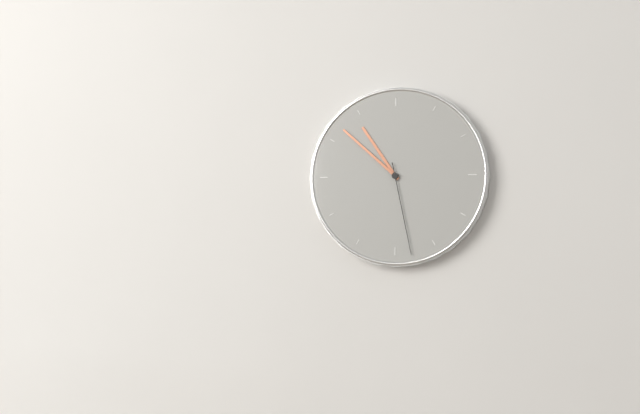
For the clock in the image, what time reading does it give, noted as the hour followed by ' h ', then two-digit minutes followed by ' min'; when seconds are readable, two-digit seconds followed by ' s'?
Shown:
10 h 52 min 28 s
